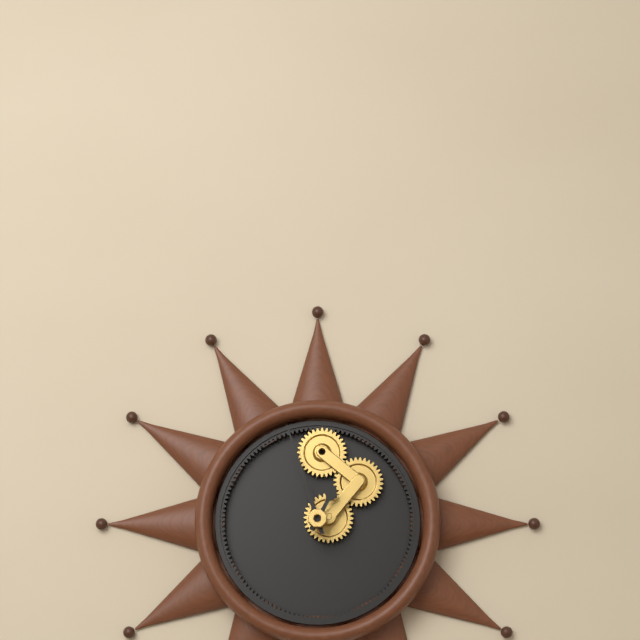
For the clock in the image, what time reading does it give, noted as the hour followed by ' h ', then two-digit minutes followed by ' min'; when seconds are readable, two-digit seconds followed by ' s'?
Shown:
12 h 57 min
